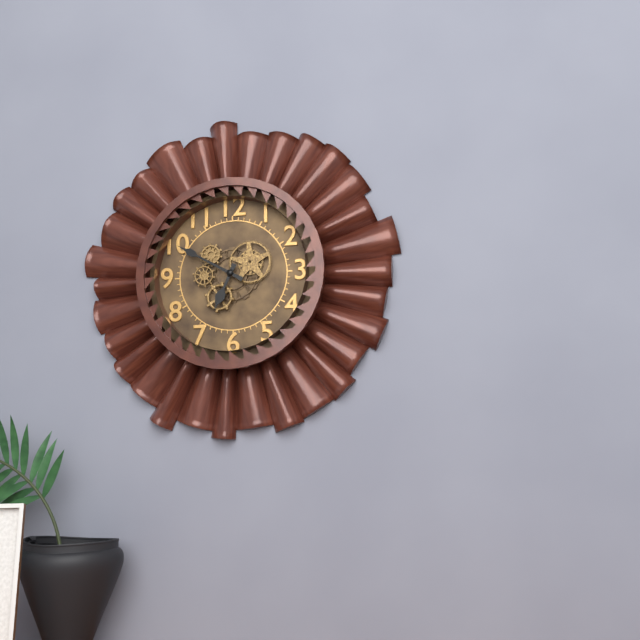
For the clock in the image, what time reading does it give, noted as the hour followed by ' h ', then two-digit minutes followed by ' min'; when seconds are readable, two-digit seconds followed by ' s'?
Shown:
6 h 50 min
